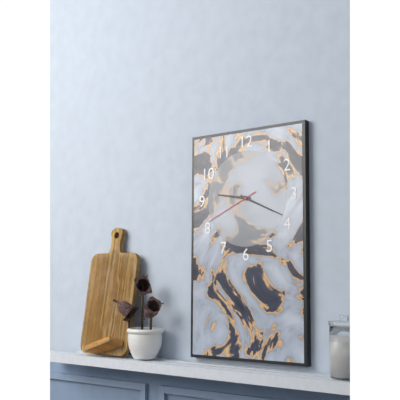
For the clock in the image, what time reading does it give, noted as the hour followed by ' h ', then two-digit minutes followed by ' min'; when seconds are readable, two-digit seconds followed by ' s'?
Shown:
9 h 19 min 41 s
